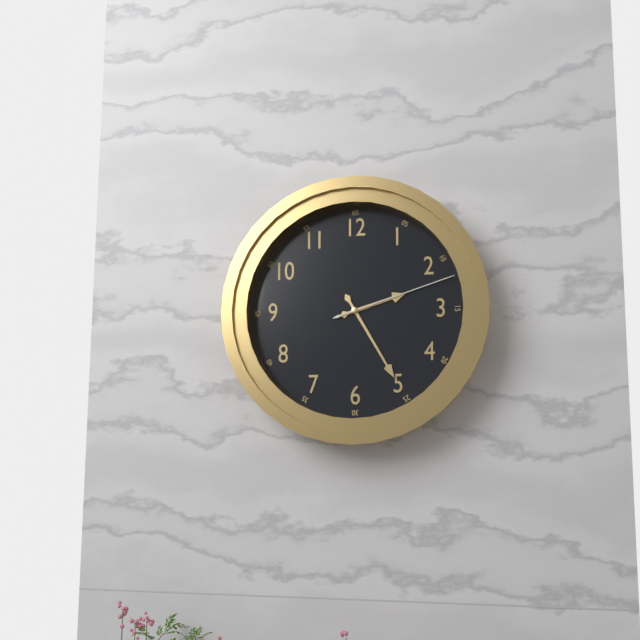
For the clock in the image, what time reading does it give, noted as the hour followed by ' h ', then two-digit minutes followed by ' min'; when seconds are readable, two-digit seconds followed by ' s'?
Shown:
2 h 25 min 12 s
